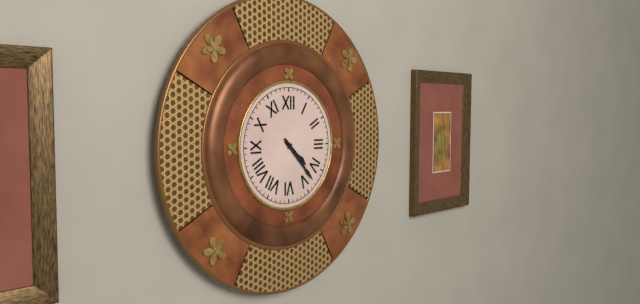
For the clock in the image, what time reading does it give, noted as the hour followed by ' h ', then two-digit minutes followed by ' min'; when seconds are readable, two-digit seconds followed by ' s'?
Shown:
4 h 23 min
